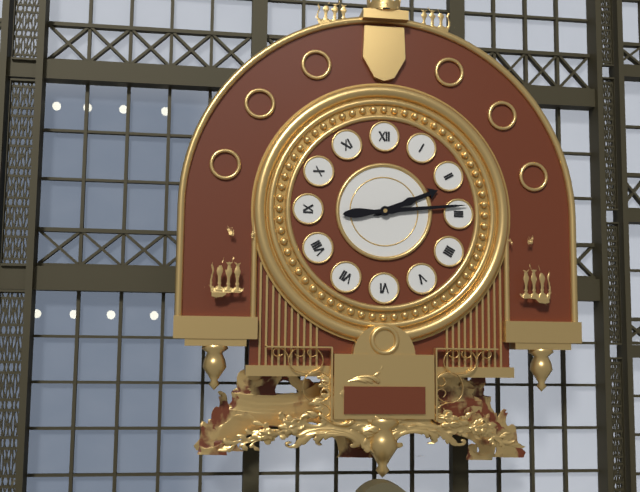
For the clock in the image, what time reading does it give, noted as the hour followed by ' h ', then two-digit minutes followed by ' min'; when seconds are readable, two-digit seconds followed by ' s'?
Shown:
2 h 14 min
